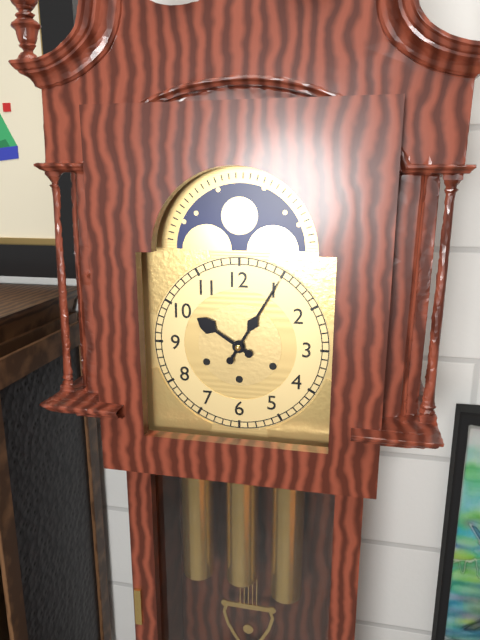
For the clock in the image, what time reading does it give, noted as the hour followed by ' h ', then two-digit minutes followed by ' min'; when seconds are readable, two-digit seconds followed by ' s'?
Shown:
10 h 05 min
